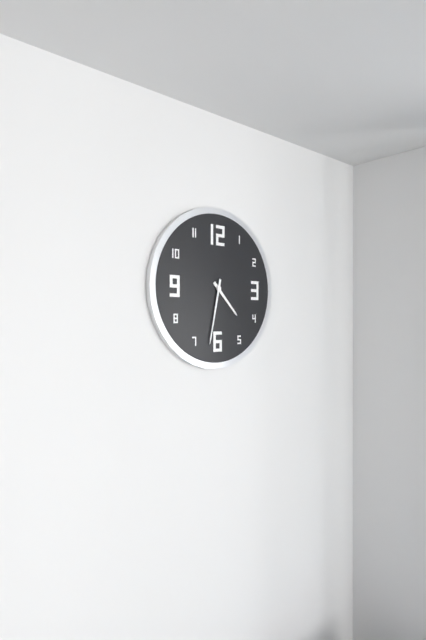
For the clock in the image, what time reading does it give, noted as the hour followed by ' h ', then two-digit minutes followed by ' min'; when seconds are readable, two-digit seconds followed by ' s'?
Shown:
4 h 32 min
